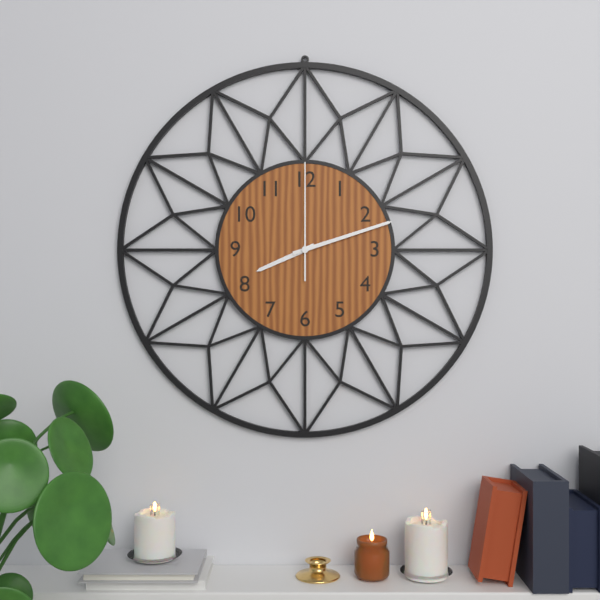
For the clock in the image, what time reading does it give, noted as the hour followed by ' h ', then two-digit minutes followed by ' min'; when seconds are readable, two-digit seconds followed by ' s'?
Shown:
8 h 12 min 00 s
